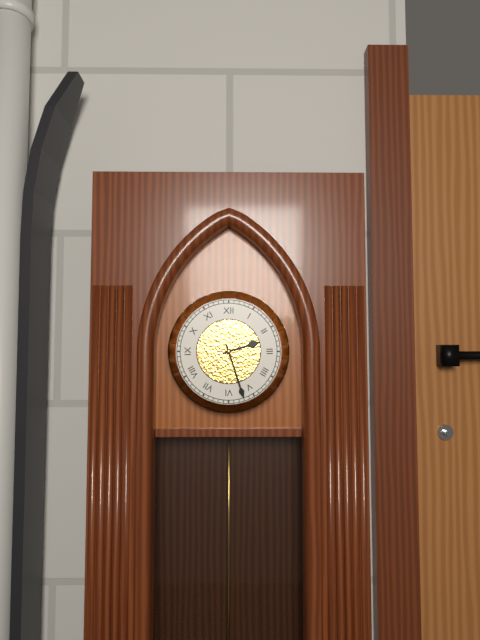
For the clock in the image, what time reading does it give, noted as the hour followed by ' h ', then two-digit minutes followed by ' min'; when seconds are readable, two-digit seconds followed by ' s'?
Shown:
2 h 27 min
